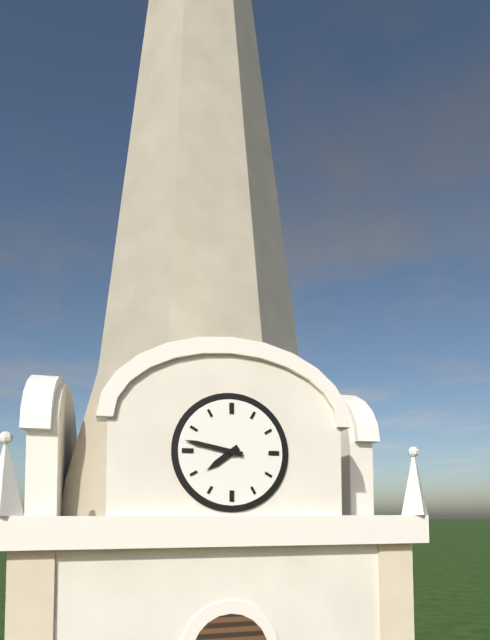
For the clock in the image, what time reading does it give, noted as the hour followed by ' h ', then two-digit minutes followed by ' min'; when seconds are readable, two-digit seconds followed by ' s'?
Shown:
7 h 47 min
